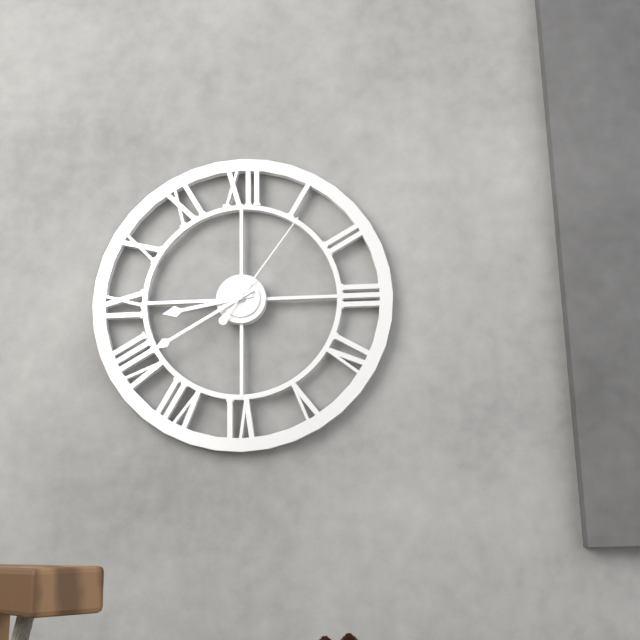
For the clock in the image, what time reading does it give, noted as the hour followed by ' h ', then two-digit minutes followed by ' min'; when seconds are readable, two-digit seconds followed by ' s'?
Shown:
8 h 40 min 06 s
